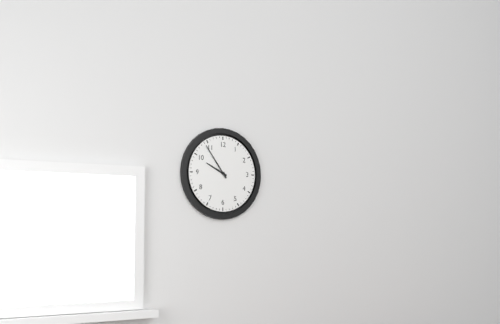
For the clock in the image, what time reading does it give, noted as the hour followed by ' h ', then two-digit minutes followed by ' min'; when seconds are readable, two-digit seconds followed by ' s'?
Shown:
9 h 54 min
